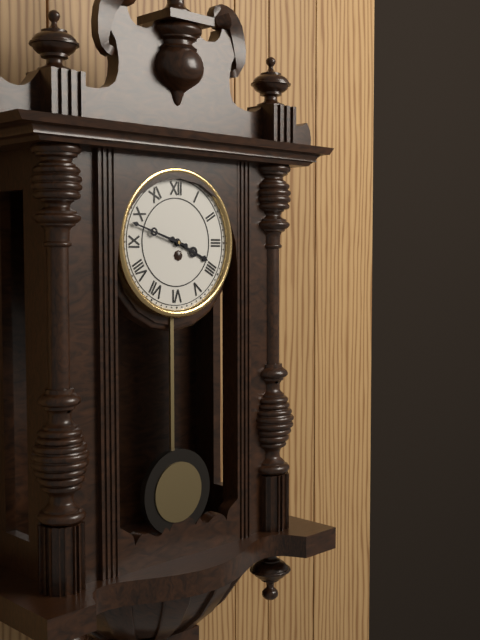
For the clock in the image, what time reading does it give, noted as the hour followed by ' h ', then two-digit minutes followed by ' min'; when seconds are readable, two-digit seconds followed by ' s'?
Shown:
3 h 48 min
